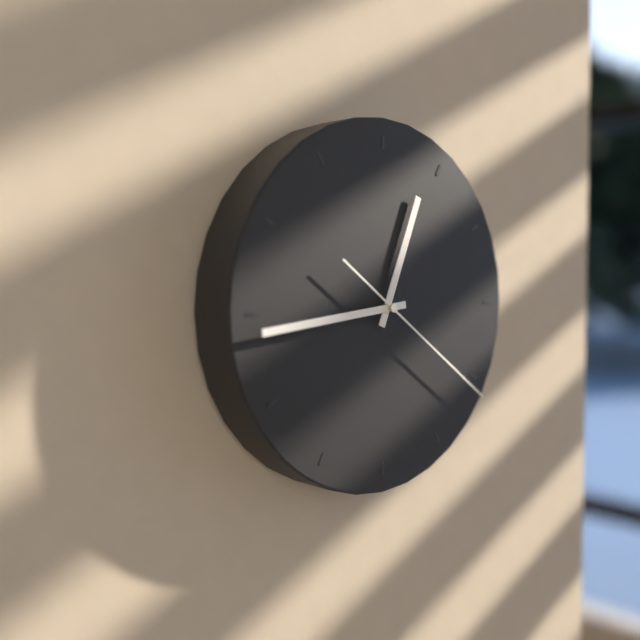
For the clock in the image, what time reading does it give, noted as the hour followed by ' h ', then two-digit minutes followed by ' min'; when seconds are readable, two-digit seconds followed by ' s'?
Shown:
12 h 44 min 21 s
